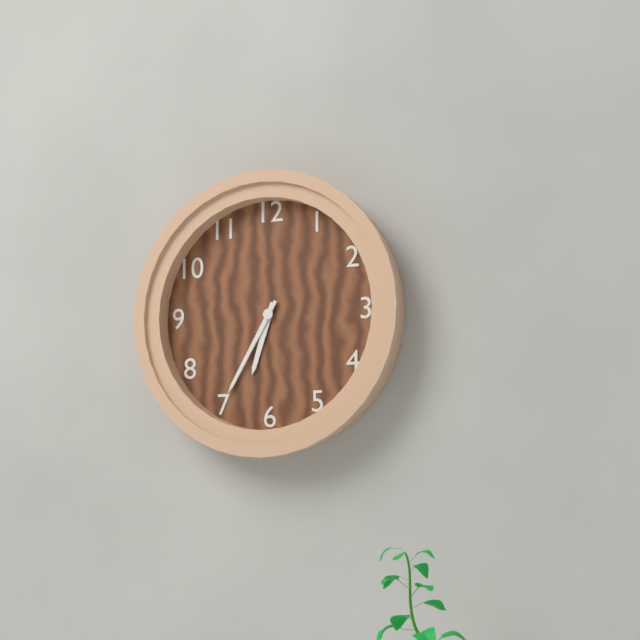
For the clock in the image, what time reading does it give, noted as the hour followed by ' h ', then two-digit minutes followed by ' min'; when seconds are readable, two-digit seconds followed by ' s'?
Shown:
6 h 35 min
